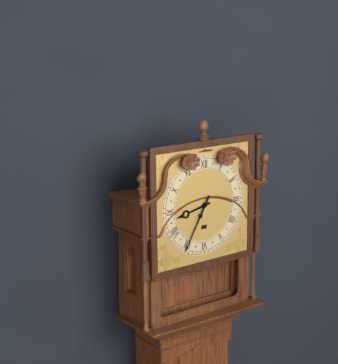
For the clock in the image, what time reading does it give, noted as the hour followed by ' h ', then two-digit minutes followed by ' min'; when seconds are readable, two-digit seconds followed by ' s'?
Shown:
8 h 35 min
